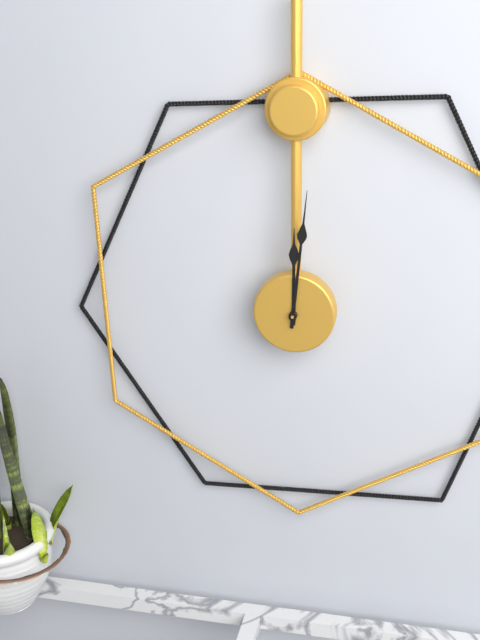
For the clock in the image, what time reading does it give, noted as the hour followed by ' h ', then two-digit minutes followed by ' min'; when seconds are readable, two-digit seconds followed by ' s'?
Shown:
12 h 01 min
